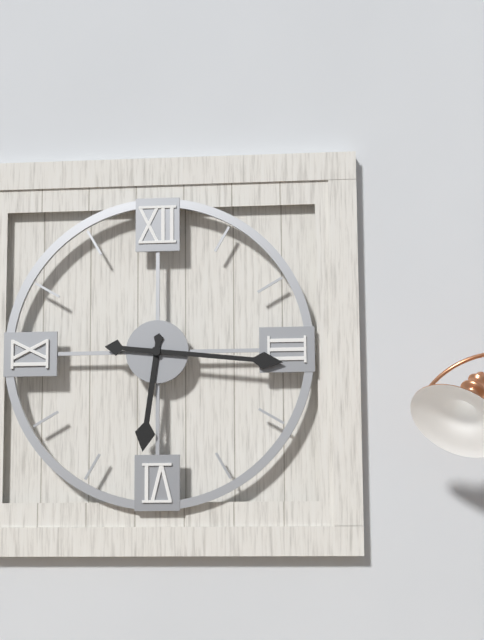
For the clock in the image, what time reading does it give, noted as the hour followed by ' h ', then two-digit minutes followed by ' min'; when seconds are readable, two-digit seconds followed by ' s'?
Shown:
6 h 16 min
